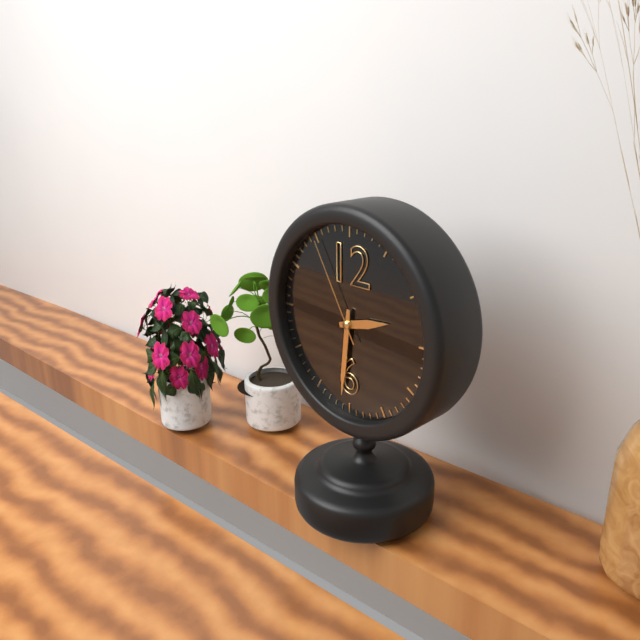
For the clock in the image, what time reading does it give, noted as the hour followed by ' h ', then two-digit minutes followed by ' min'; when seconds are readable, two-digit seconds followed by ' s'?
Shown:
2 h 31 min 55 s
